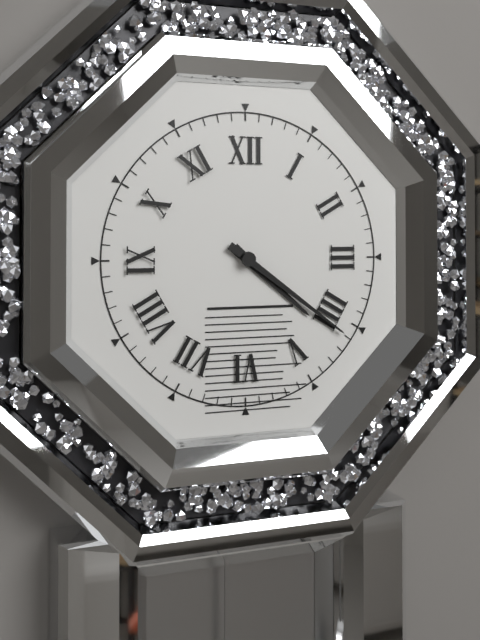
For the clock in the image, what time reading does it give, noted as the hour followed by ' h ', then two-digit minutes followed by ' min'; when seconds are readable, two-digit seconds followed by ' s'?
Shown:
4 h 21 min
